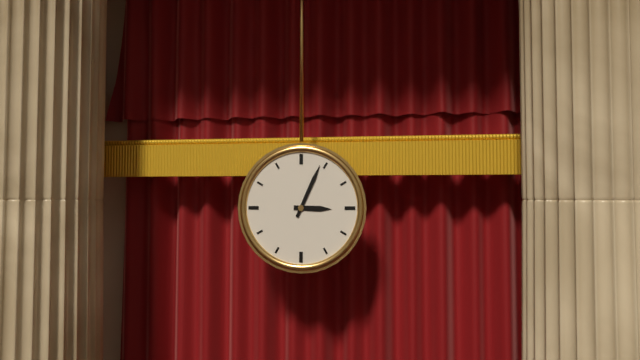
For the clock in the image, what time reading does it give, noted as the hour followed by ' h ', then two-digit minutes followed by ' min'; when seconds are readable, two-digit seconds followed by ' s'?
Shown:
3 h 04 min
